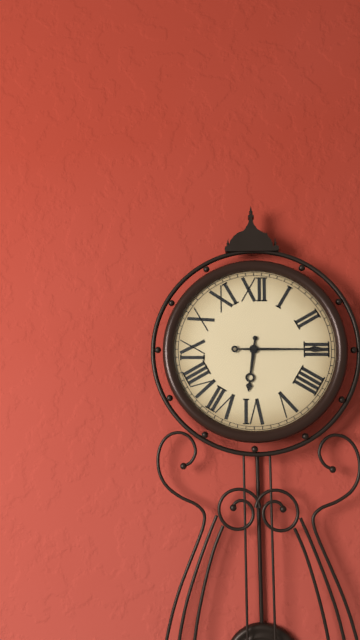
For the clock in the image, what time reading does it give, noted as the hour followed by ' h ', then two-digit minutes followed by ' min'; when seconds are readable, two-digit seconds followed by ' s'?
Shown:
6 h 15 min
